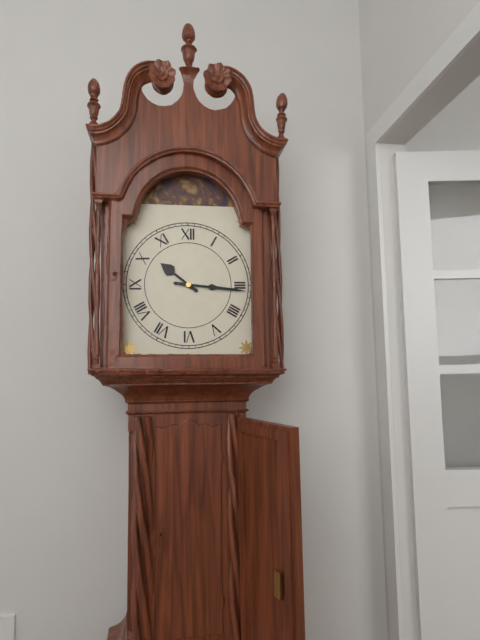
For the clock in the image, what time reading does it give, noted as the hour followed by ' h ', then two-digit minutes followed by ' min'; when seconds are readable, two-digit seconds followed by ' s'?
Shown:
10 h 16 min
